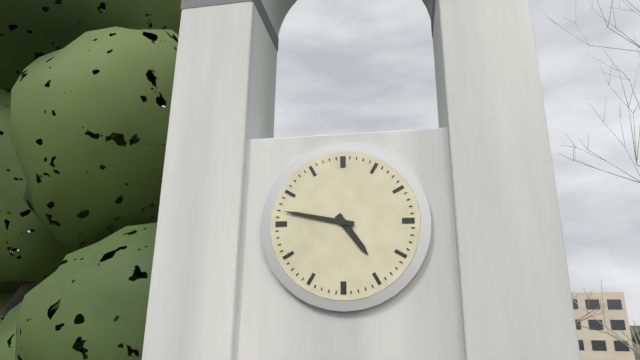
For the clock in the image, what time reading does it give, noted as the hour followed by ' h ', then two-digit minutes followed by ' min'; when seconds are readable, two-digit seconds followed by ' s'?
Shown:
4 h 47 min
